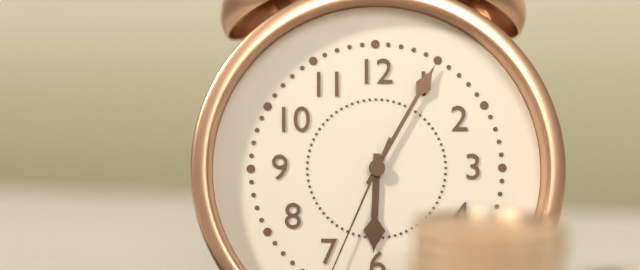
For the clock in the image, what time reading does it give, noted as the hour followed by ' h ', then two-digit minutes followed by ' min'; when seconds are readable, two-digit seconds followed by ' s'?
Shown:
6 h 05 min
